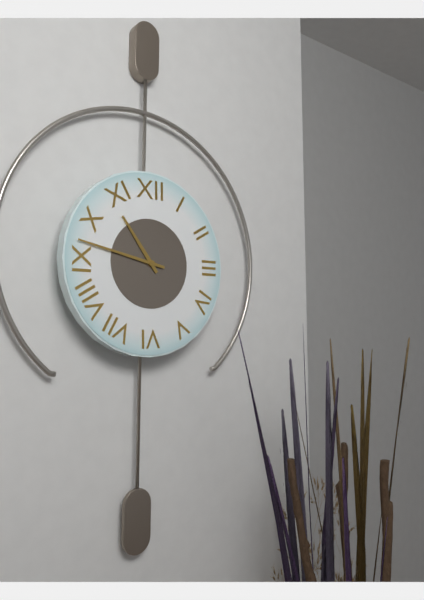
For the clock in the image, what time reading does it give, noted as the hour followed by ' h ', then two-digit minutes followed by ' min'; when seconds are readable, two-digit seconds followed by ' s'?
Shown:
10 h 47 min
